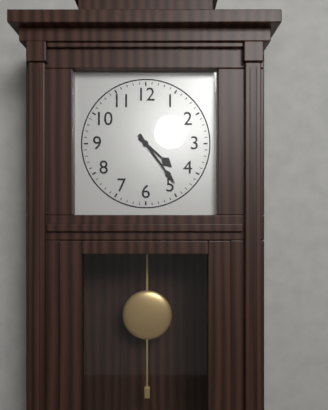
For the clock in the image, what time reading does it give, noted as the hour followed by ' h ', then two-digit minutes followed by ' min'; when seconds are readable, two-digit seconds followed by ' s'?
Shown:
4 h 24 min
